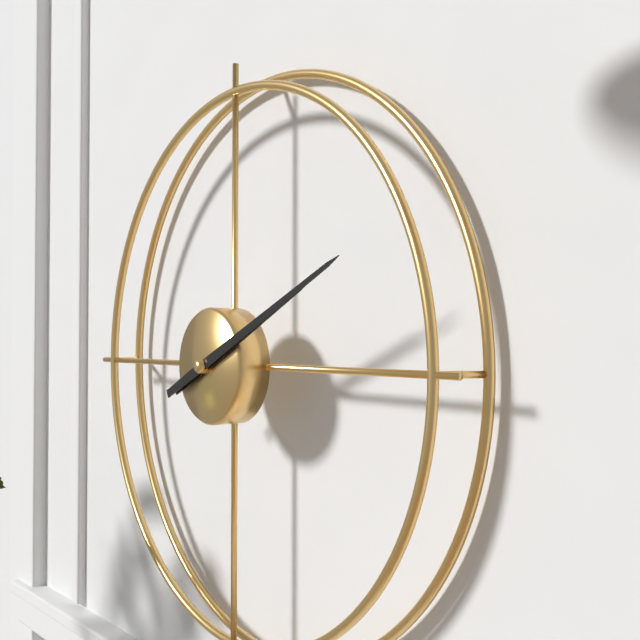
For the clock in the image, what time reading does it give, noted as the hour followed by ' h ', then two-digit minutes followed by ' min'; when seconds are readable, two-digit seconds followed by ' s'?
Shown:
2 h 11 min
